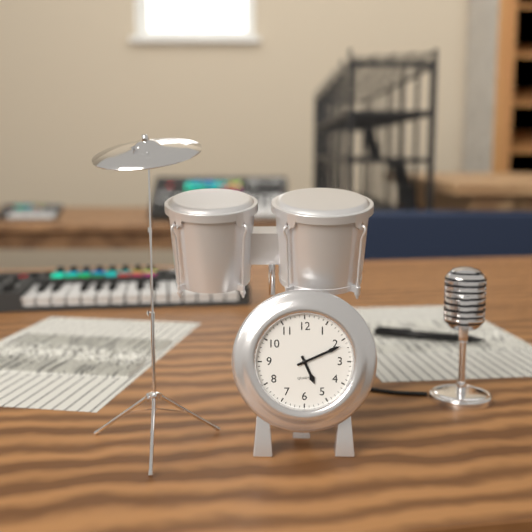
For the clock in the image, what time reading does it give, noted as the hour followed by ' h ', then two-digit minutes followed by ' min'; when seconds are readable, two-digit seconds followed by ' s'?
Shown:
5 h 11 min
